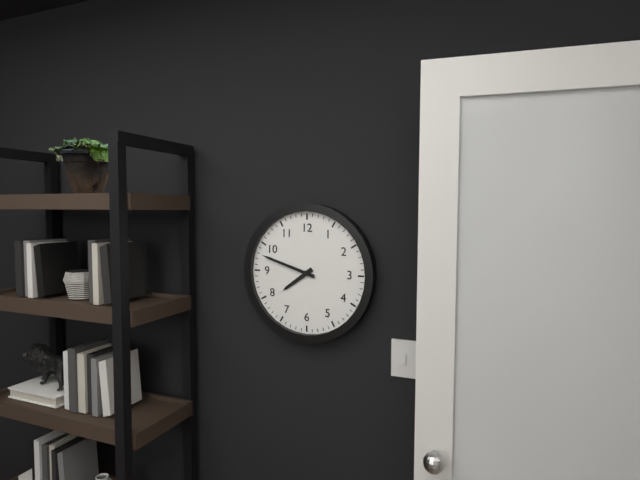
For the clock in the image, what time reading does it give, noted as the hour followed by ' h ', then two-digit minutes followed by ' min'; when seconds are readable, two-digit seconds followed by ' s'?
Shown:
7 h 48 min
